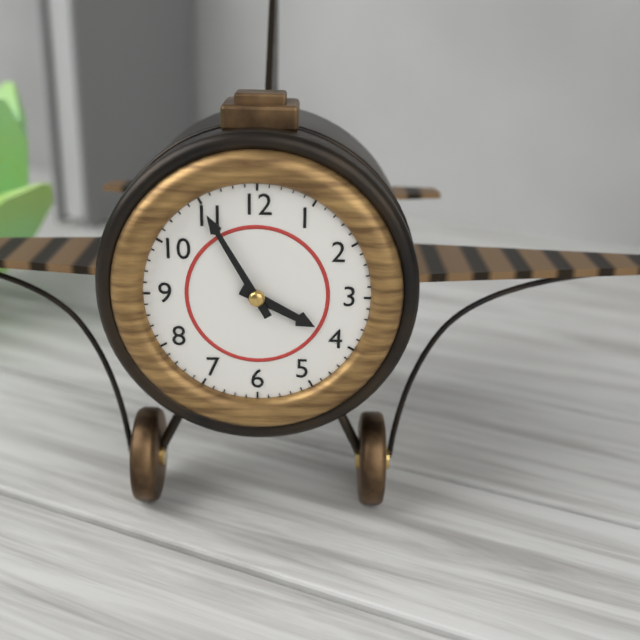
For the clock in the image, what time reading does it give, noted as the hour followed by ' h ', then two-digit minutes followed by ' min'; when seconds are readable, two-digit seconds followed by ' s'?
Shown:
3 h 55 min
